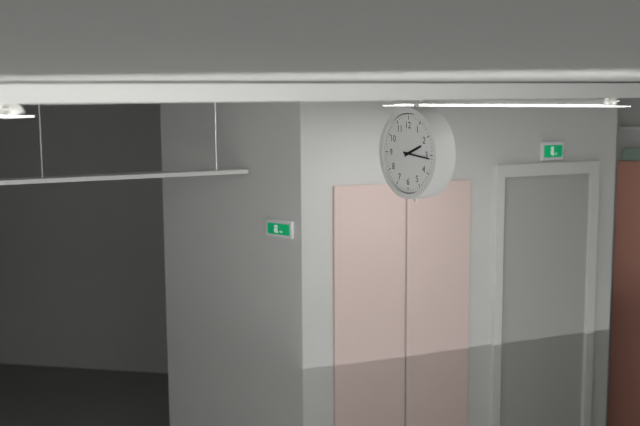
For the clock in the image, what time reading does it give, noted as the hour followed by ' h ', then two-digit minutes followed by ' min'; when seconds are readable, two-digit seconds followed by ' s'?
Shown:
2 h 16 min
